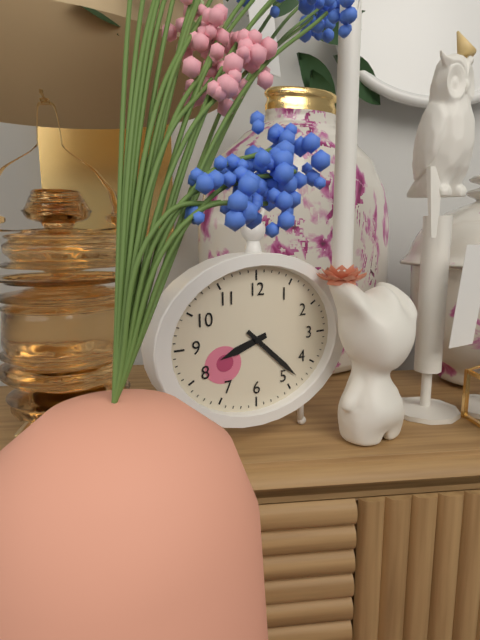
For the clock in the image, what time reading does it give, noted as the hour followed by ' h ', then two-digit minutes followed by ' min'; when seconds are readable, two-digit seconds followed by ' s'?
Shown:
8 h 22 min
